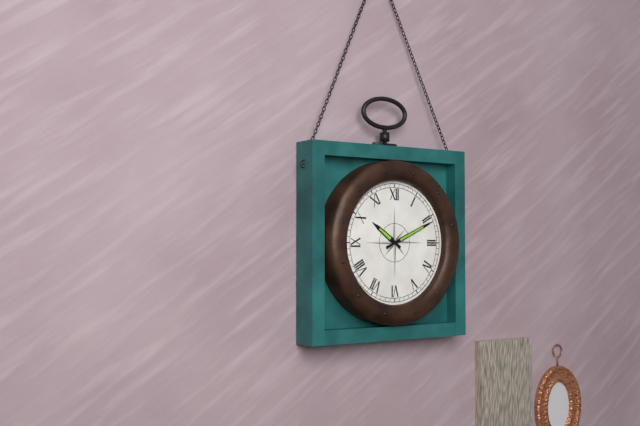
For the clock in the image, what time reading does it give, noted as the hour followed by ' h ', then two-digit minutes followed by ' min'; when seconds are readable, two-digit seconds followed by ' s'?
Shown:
10 h 11 min
